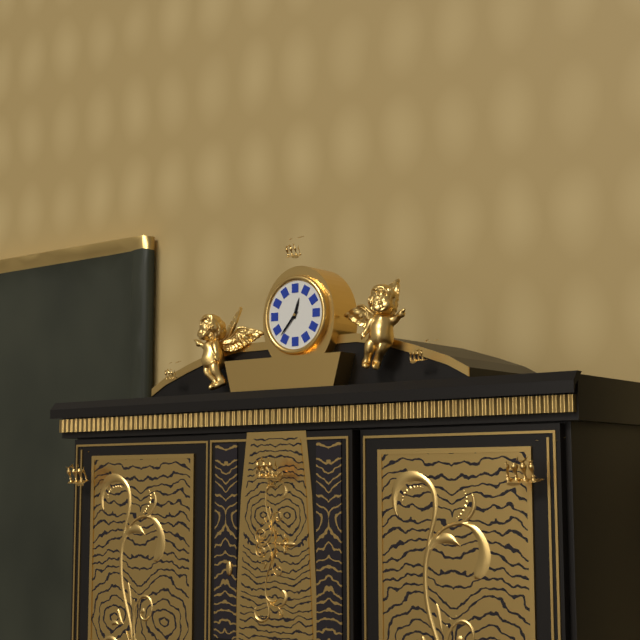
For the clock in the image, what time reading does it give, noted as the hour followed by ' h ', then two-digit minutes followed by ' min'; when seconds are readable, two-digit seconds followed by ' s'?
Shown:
12 h 37 min
